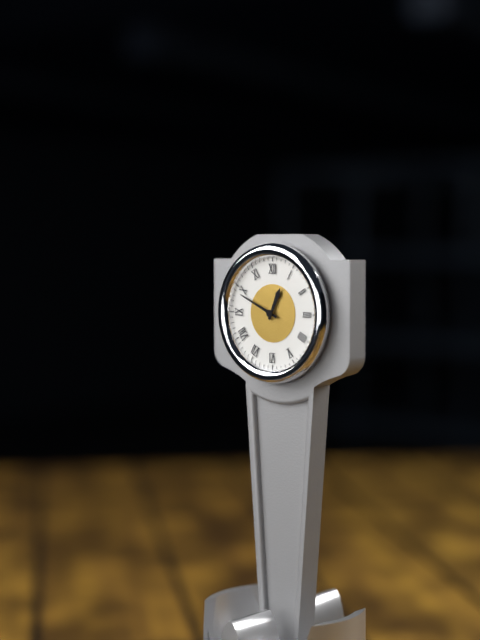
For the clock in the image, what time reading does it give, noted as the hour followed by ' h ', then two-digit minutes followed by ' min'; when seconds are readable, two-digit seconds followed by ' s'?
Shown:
12 h 49 min
